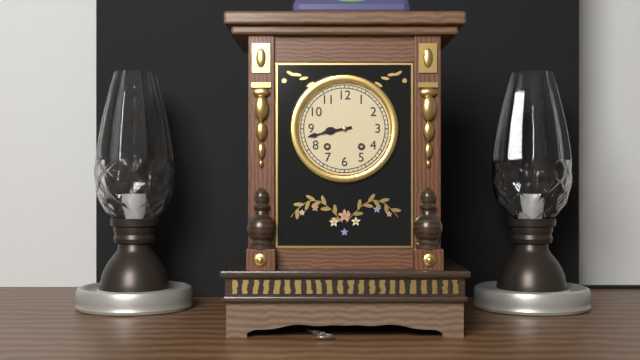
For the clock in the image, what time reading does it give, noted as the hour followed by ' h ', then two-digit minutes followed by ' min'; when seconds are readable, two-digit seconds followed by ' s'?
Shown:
8 h 43 min
